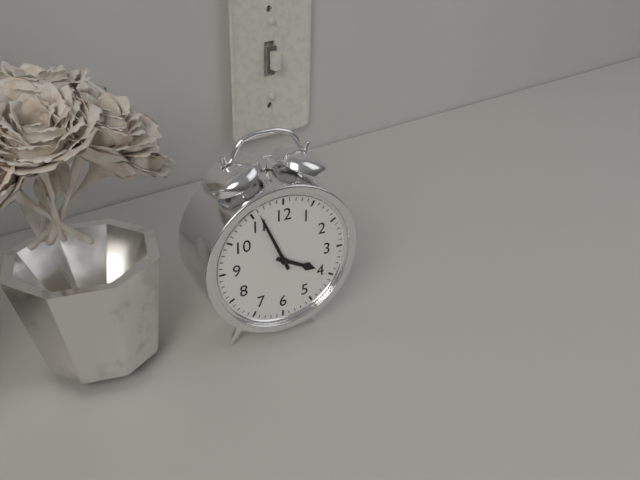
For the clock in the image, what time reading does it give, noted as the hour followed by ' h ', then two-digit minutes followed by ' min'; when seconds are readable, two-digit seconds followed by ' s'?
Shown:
3 h 56 min
